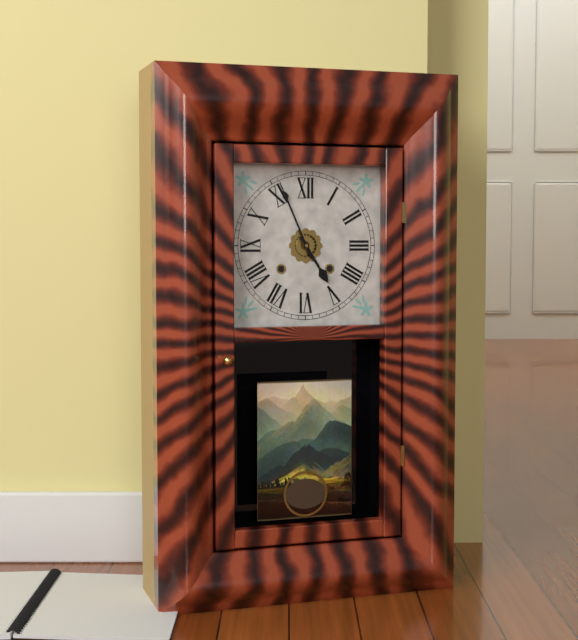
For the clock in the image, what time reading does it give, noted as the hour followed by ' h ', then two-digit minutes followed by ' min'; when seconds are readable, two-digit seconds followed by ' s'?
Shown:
4 h 56 min
